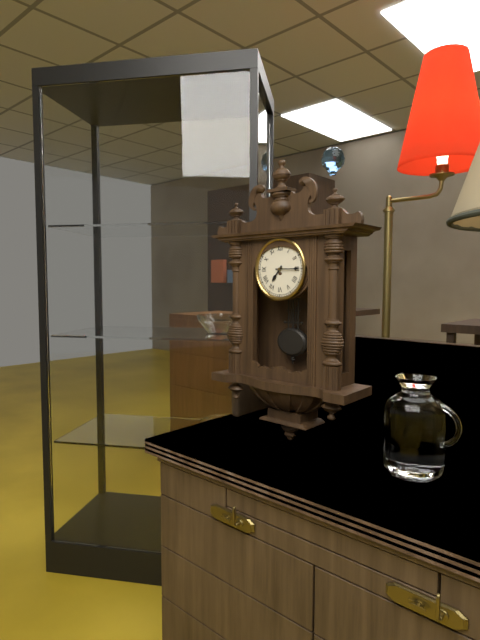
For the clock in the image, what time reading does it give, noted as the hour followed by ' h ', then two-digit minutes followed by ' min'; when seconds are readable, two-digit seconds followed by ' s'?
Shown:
7 h 15 min
